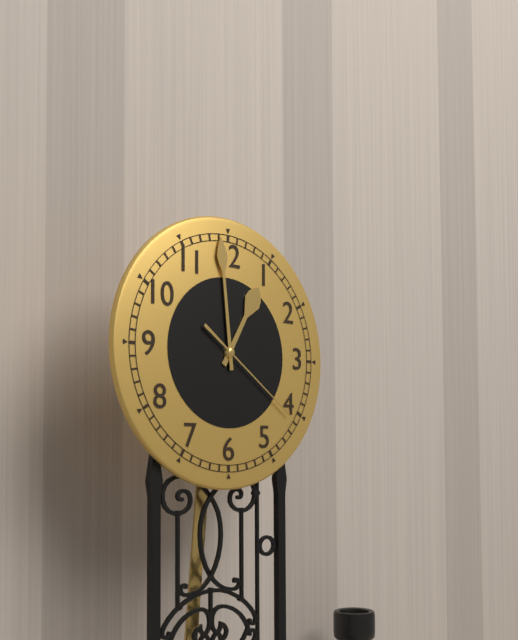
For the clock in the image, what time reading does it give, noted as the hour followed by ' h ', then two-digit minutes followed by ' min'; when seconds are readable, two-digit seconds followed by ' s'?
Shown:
12 h 59 min 21 s
